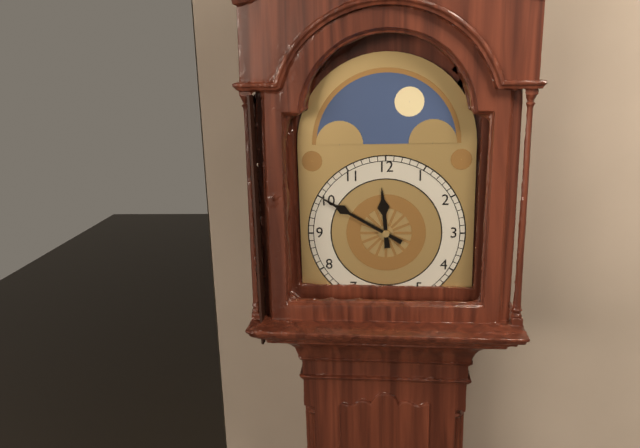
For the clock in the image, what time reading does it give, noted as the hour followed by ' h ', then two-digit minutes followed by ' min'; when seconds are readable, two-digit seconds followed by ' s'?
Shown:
11 h 50 min
